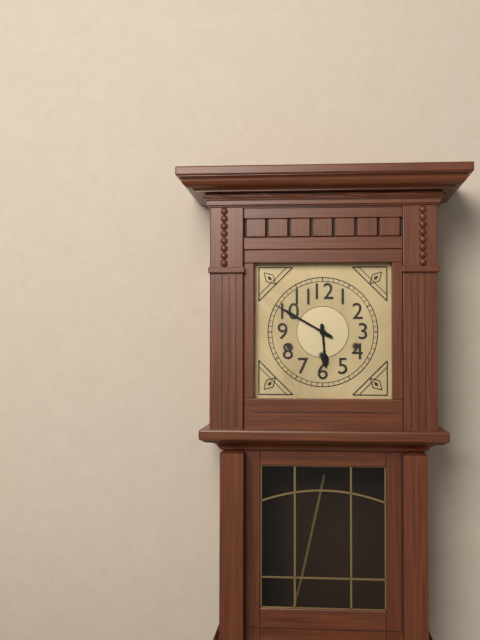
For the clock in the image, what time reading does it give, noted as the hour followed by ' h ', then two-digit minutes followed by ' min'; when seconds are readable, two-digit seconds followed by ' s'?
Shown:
5 h 50 min
